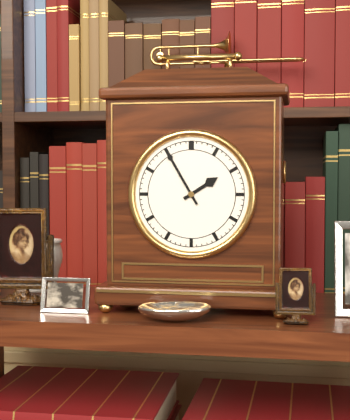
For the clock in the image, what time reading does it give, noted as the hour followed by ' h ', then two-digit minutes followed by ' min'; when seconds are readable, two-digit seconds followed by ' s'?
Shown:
1 h 55 min
